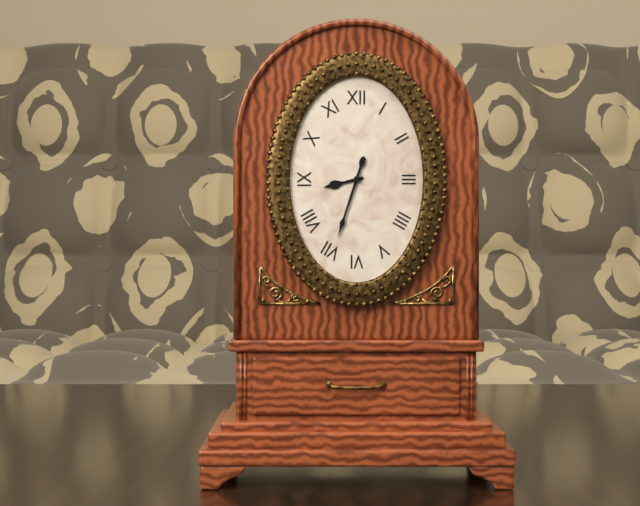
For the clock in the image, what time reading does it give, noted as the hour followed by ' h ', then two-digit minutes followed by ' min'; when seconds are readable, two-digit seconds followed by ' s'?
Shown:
8 h 33 min
